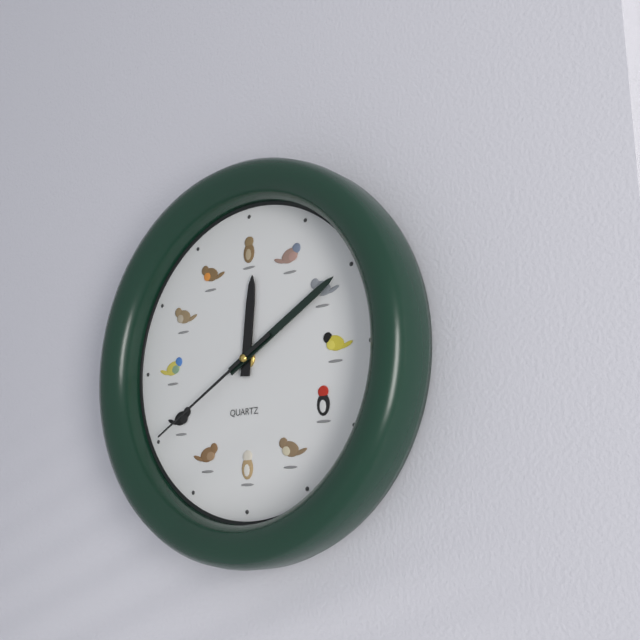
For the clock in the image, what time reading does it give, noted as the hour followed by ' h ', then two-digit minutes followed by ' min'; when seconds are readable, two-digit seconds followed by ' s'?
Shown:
12 h 10 min 40 s
